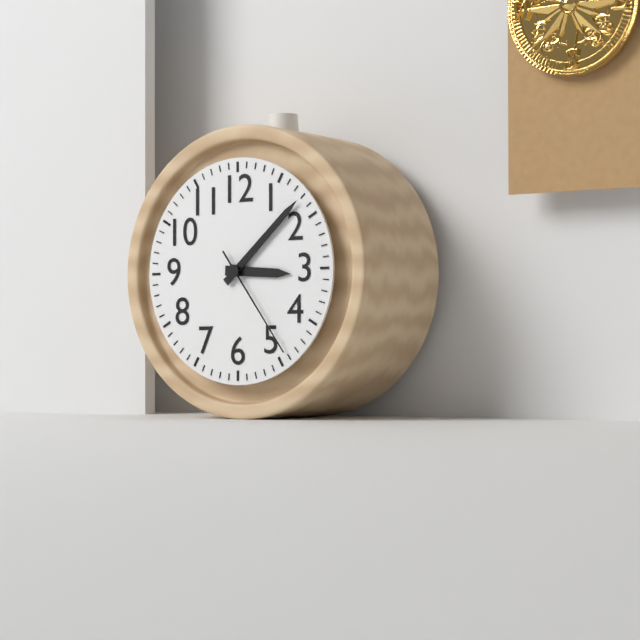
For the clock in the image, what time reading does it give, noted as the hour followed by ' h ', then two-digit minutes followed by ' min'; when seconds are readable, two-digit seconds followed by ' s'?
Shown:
3 h 08 min 24 s
